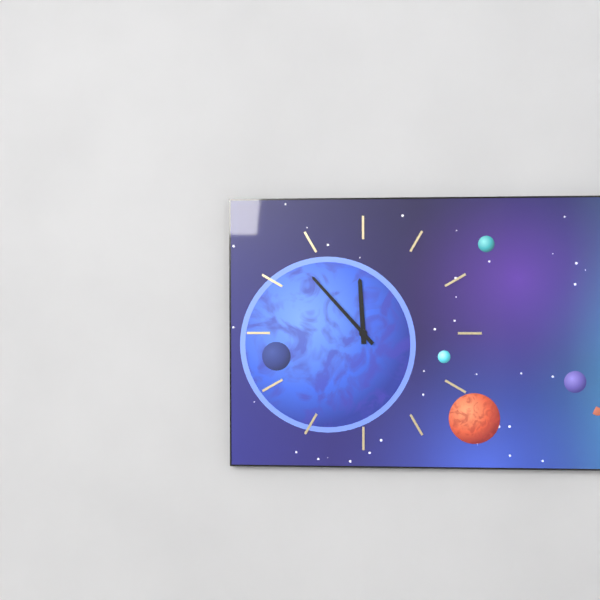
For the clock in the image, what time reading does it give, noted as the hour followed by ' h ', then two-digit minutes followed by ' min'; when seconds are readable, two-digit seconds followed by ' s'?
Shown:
11 h 53 min
